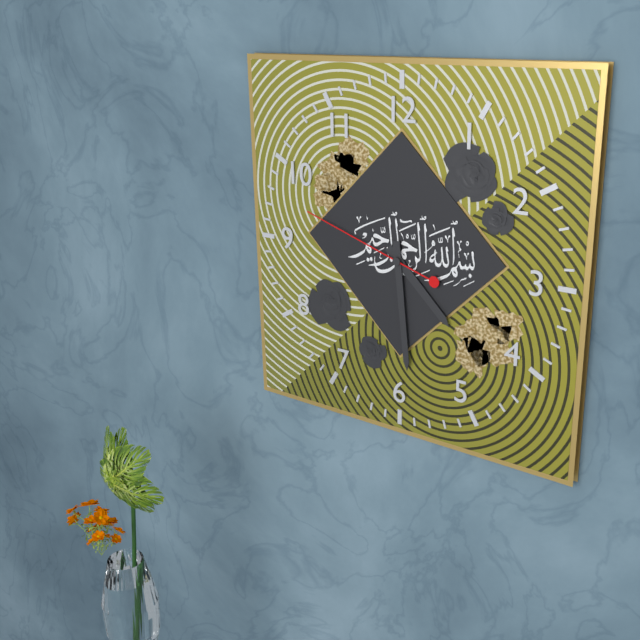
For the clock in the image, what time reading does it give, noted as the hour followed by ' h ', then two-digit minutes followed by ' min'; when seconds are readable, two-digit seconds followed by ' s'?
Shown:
4 h 29 min 48 s
